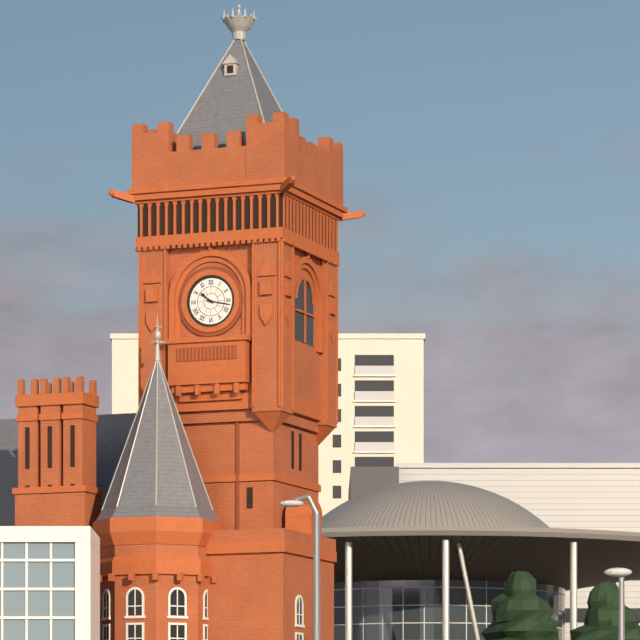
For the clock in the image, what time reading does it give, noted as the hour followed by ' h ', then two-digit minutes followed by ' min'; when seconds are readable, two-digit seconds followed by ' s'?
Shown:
10 h 17 min
